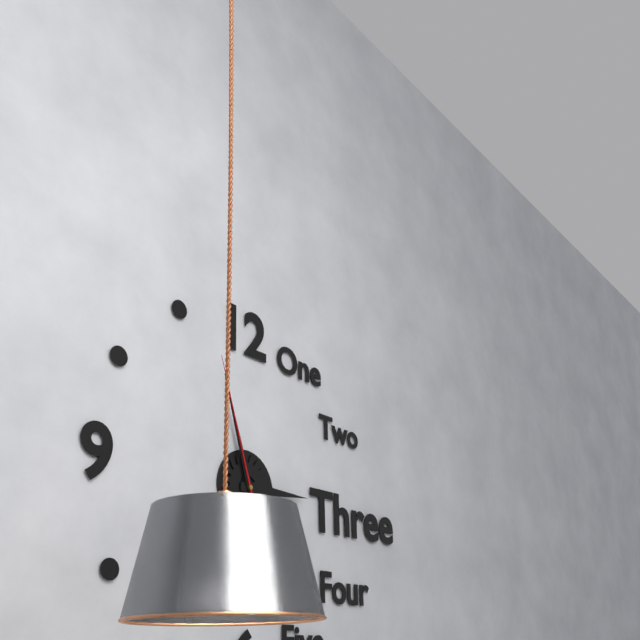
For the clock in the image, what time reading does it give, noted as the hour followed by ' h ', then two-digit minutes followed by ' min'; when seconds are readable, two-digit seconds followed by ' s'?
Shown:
2 h 57 min 57 s
